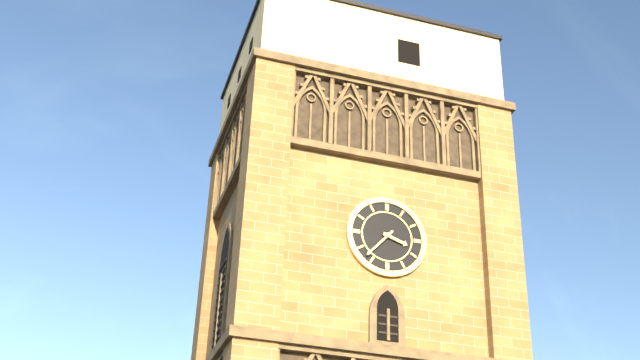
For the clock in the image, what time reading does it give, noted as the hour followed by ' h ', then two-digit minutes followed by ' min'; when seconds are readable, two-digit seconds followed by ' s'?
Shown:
3 h 37 min
